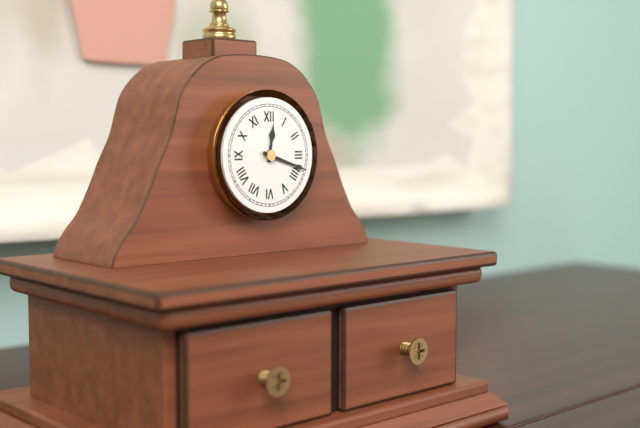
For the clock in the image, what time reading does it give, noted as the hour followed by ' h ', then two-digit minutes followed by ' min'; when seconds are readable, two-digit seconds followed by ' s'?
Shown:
12 h 18 min
